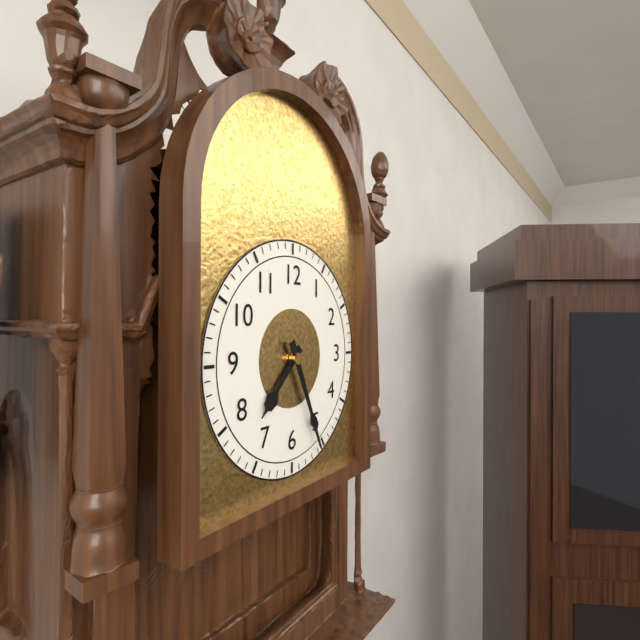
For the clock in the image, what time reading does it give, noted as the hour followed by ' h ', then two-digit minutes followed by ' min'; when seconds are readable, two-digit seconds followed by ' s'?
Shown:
7 h 26 min
